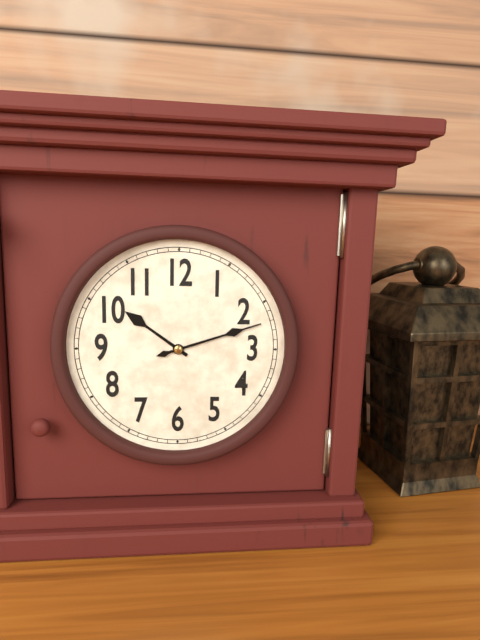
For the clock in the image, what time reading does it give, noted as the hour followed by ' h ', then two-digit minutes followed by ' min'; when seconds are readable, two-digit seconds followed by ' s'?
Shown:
10 h 12 min
